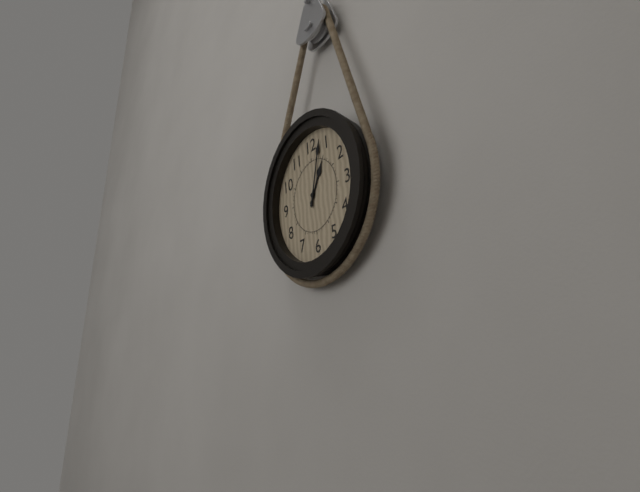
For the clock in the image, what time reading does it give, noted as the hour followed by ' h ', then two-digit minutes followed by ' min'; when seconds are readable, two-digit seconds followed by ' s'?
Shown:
1 h 03 min
